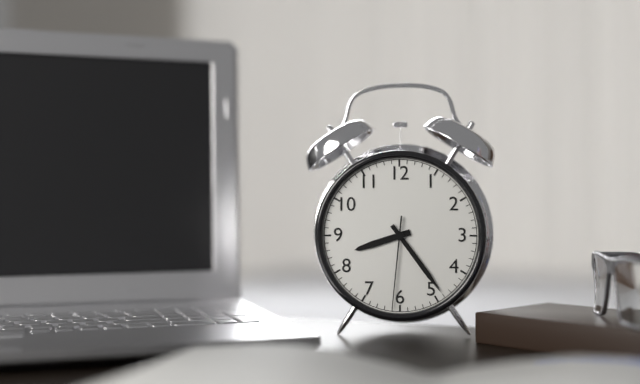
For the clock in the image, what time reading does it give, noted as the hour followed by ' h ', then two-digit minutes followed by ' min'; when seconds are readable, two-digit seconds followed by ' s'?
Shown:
8 h 24 min 31 s
